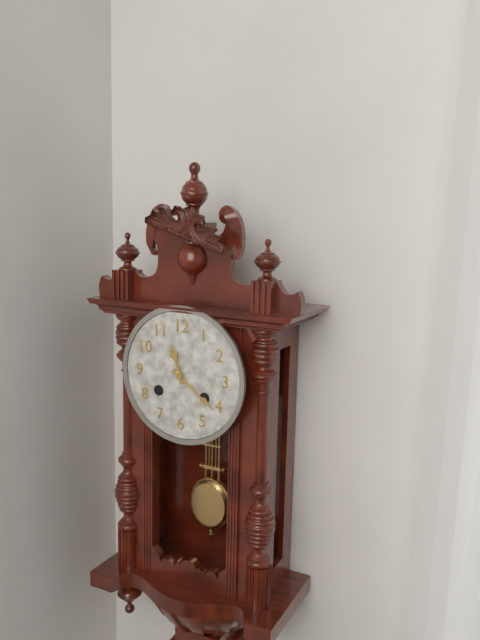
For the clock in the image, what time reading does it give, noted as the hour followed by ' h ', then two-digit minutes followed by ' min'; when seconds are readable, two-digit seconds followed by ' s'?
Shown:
11 h 21 min
